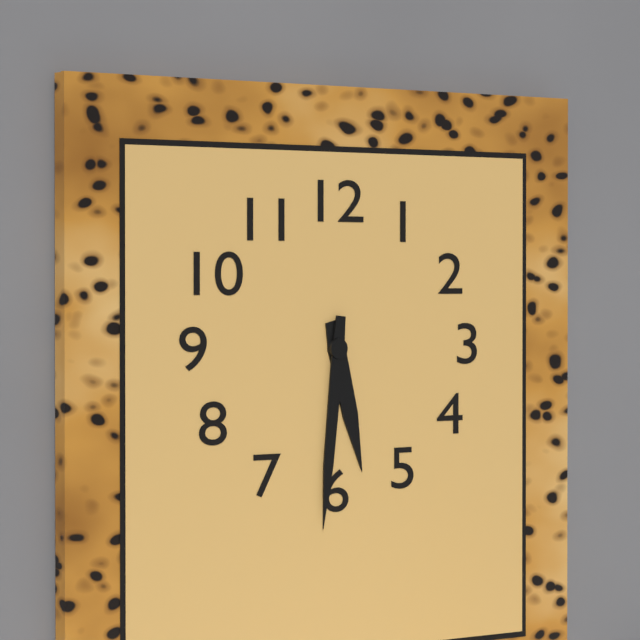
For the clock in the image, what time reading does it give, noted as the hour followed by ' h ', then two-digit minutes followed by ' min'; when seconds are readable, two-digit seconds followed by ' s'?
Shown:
5 h 31 min
